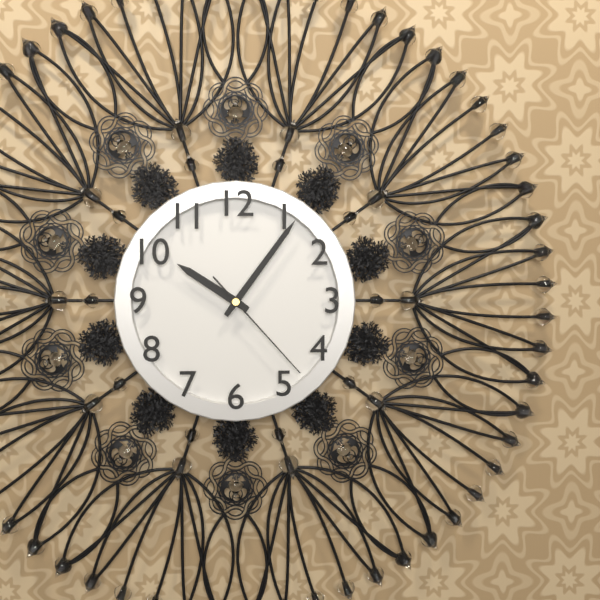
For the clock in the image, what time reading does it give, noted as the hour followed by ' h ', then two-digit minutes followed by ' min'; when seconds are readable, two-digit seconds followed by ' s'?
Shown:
10 h 06 min 23 s
